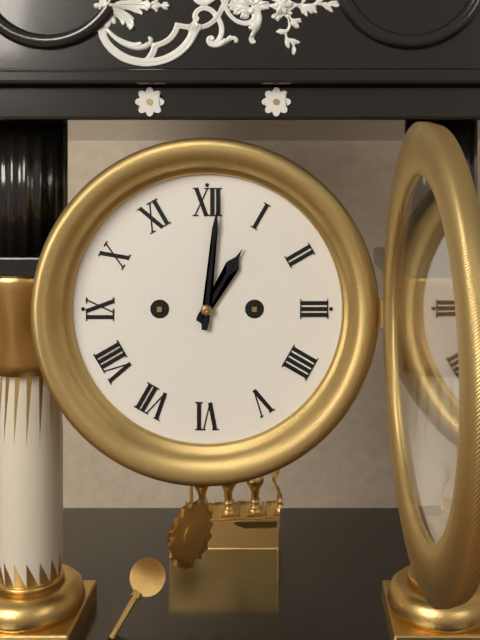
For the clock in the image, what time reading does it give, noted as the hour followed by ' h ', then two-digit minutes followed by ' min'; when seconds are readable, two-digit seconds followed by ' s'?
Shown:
1 h 01 min
